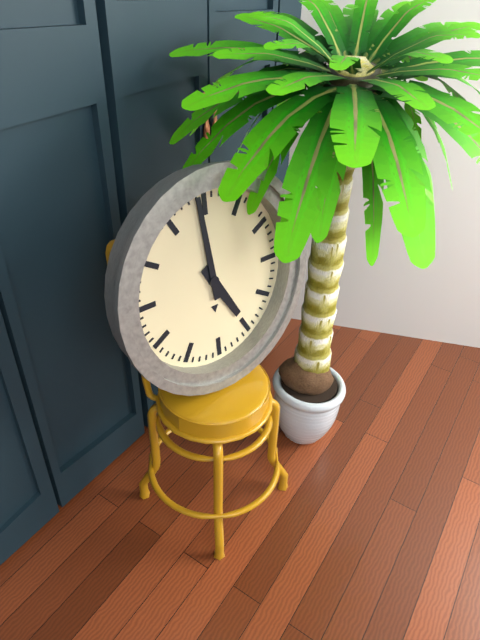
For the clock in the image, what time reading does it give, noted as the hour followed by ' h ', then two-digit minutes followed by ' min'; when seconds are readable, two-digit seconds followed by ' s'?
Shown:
4 h 59 min
